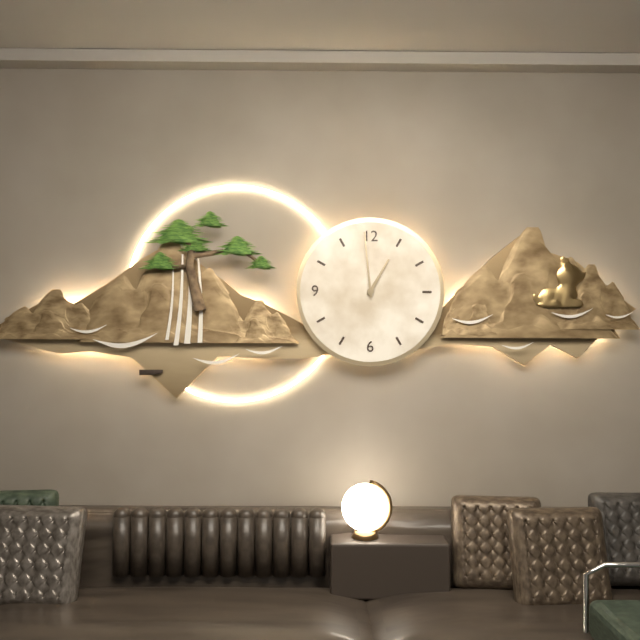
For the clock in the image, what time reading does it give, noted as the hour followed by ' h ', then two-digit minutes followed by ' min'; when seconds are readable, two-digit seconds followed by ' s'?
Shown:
12 h 59 min
